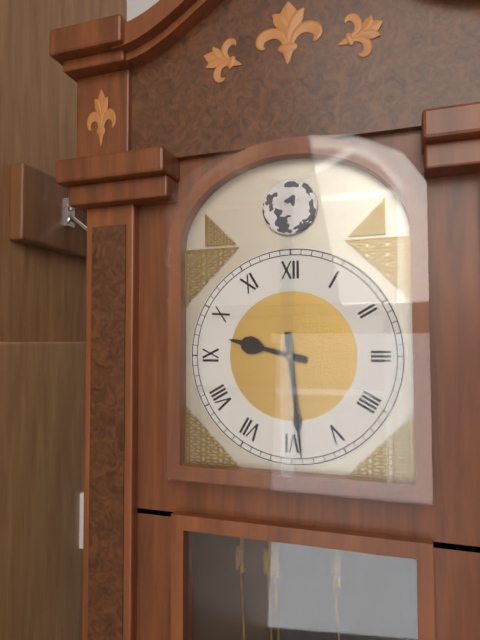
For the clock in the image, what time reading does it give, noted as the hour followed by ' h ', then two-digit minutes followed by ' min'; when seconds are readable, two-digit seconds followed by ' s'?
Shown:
9 h 29 min
